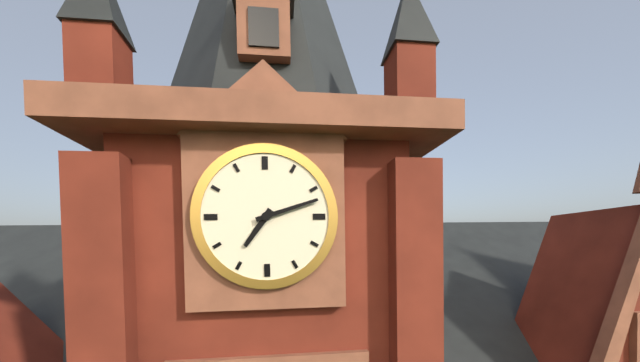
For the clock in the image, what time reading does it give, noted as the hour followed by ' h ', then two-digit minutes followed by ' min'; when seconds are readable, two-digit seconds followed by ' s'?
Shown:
7 h 12 min
